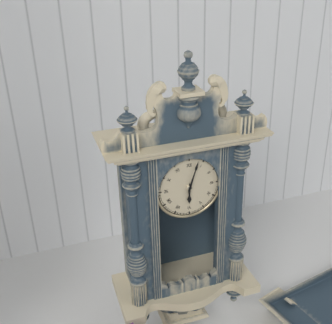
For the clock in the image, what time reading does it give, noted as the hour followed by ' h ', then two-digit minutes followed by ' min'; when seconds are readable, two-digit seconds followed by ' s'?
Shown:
6 h 03 min
